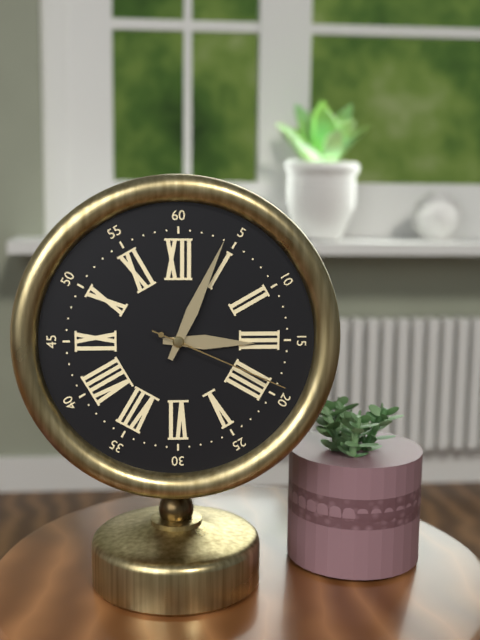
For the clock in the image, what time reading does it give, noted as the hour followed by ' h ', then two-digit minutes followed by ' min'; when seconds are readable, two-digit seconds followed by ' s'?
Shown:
3 h 04 min 19 s
